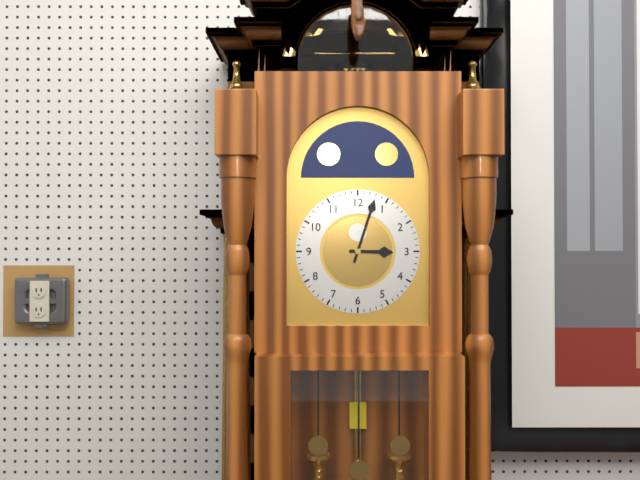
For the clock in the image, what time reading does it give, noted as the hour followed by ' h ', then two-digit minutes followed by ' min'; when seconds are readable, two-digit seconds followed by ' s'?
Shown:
3 h 03 min
